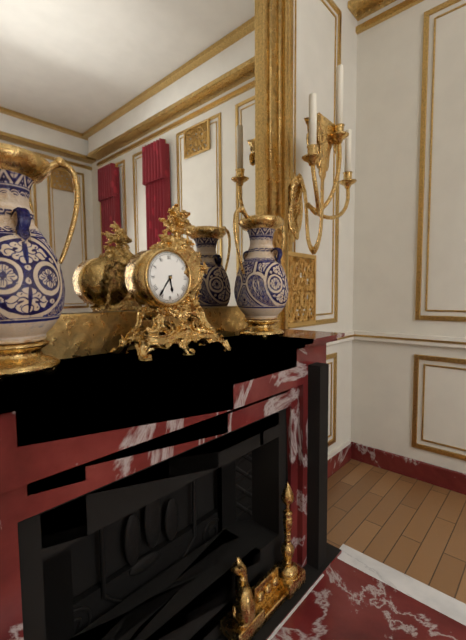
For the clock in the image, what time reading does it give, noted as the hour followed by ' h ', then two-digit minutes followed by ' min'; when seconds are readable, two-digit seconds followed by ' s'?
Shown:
5 h 36 min
